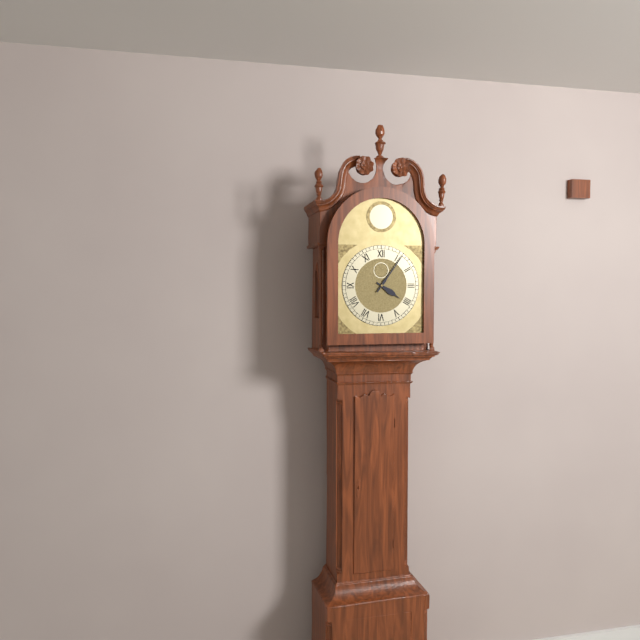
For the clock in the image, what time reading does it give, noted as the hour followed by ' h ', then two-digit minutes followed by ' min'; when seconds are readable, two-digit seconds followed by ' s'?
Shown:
4 h 06 min
